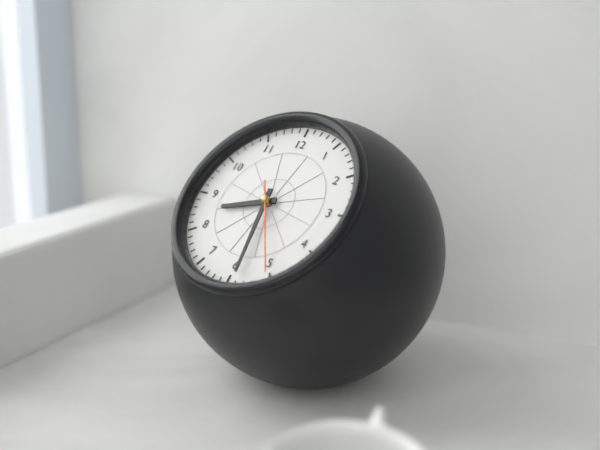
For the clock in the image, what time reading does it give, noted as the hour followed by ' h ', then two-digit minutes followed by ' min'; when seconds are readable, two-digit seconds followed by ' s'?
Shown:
8 h 29 min 25 s
